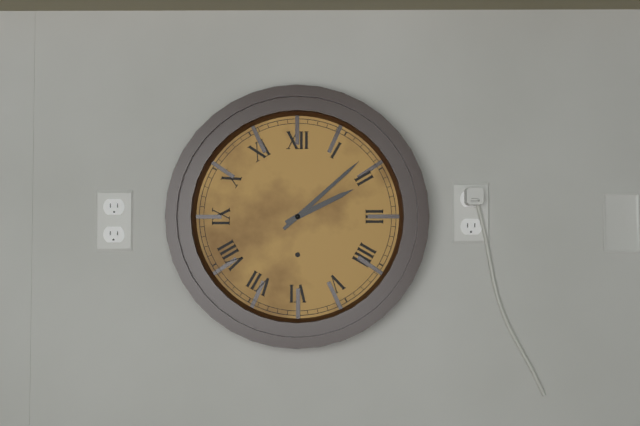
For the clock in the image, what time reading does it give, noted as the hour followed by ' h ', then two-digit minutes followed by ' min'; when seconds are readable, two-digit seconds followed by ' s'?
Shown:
2 h 08 min
